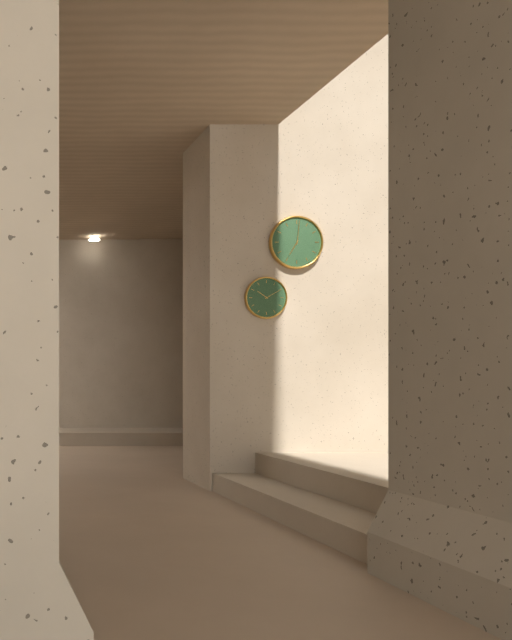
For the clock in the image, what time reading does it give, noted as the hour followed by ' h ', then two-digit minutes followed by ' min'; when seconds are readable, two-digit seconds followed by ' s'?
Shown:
7 h 01 min
